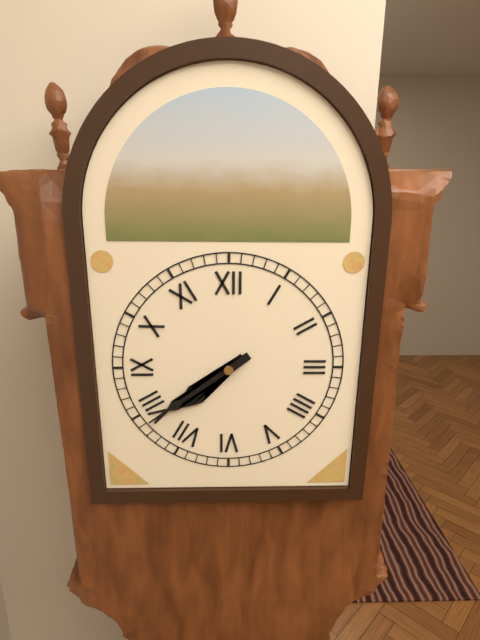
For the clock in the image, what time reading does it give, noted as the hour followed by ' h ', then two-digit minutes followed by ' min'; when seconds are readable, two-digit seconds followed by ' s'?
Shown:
7 h 39 min
